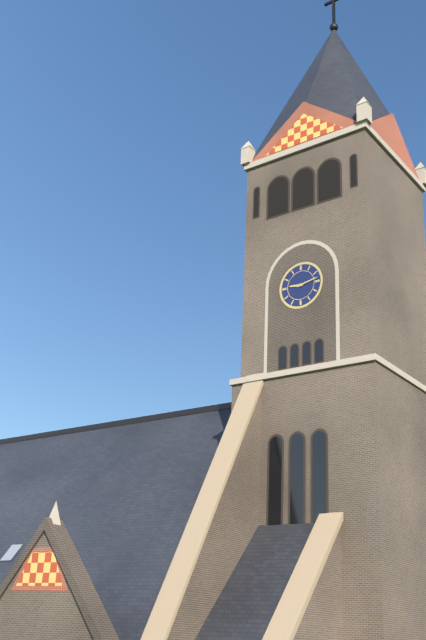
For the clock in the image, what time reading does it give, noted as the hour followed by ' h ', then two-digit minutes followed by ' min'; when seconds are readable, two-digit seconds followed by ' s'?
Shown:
9 h 13 min
